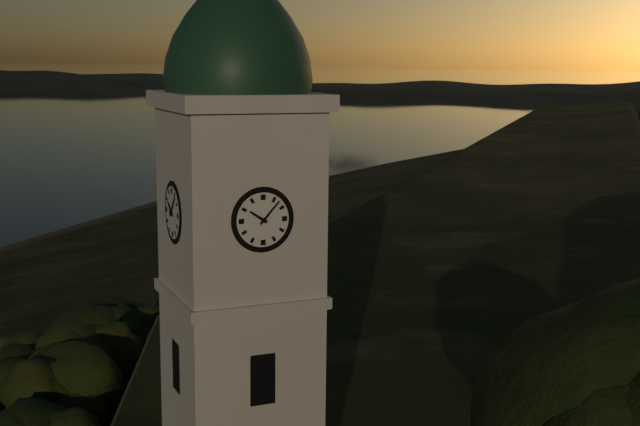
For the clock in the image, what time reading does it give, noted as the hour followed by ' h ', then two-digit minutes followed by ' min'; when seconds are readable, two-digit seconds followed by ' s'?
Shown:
10 h 07 min
